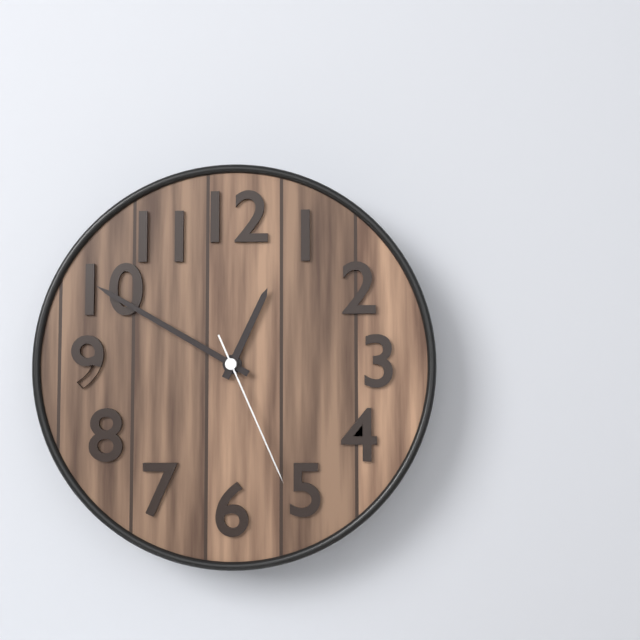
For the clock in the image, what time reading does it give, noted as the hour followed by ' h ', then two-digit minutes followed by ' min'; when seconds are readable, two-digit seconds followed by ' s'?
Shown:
12 h 50 min 26 s
